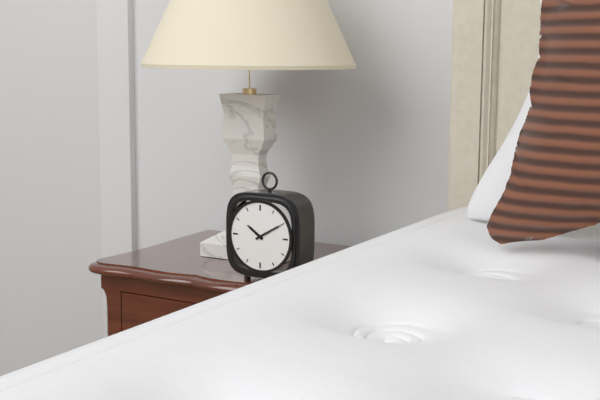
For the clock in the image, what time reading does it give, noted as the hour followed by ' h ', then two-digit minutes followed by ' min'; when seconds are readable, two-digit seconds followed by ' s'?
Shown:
10 h 10 min
